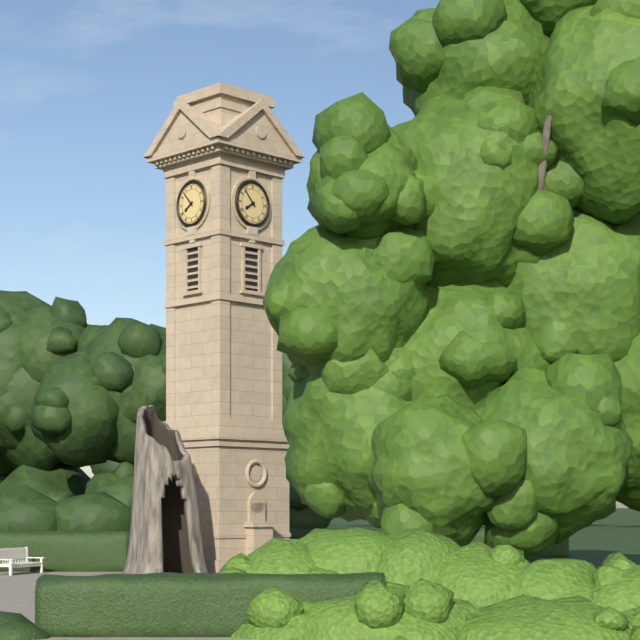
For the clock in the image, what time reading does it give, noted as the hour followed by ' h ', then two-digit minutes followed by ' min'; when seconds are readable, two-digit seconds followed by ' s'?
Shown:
7 h 53 min
